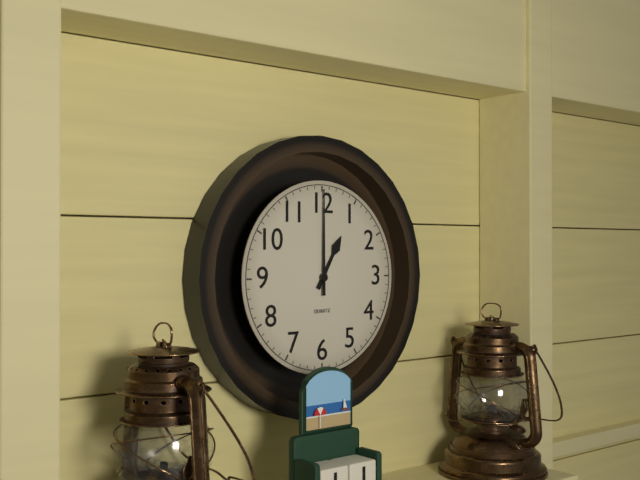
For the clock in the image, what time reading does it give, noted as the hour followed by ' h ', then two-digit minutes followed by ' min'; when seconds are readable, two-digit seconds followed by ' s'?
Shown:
1 h 00 min
